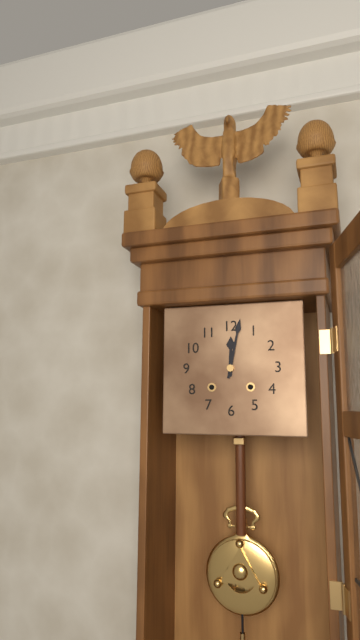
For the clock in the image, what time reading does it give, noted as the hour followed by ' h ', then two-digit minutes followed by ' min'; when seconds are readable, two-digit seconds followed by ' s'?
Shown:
12 h 02 min
